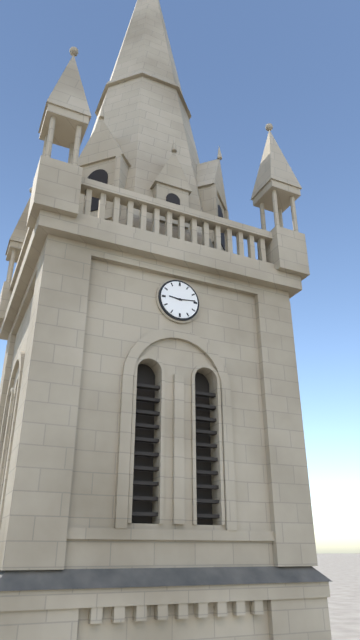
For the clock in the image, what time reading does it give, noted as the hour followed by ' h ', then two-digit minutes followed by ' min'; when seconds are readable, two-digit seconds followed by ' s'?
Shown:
9 h 14 min
